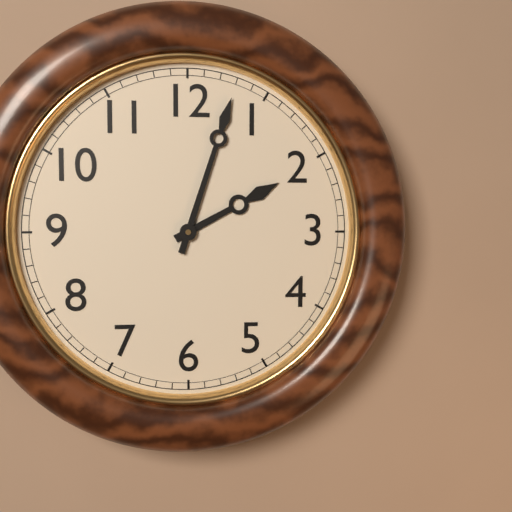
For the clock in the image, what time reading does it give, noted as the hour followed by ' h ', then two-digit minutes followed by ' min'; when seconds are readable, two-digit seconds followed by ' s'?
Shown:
2 h 03 min
